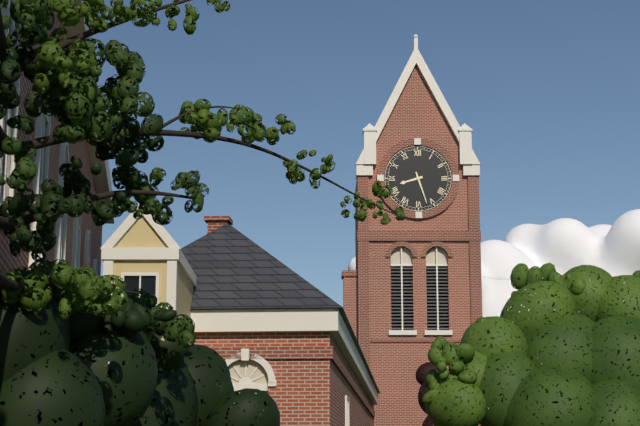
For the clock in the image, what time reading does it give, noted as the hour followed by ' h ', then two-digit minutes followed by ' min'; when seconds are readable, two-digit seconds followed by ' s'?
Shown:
8 h 27 min
